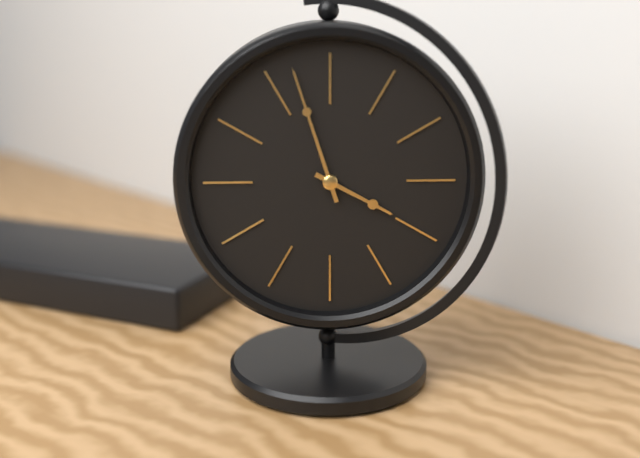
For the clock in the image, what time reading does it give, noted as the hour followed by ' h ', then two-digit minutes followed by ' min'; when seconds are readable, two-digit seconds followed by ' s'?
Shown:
3 h 57 min
